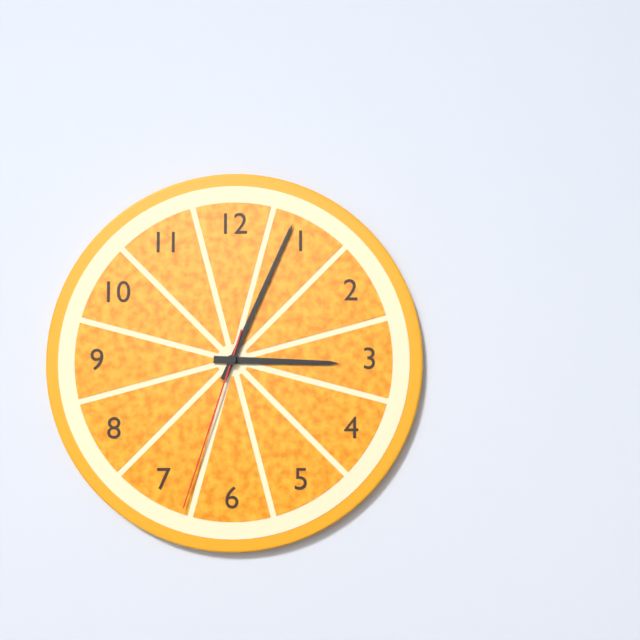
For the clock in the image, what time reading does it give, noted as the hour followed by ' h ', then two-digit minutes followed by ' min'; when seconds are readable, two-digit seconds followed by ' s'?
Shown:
3 h 04 min 33 s
